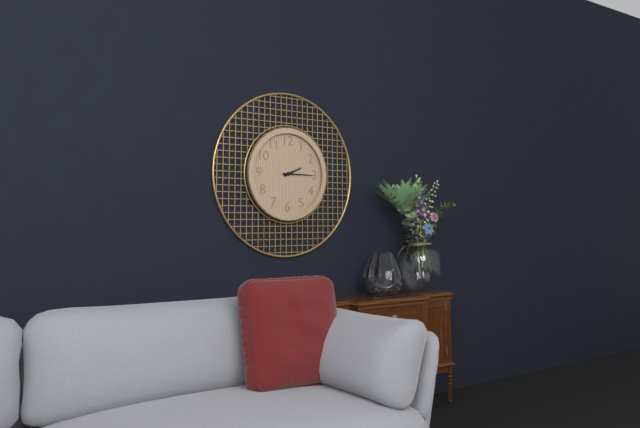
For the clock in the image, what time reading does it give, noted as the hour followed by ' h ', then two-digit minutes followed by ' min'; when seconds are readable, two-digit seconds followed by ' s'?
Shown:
2 h 15 min
